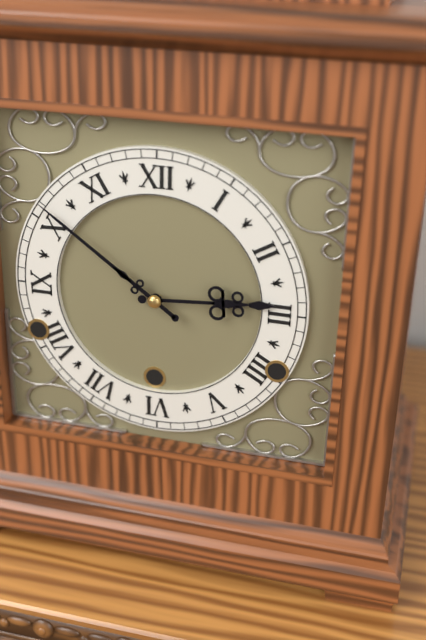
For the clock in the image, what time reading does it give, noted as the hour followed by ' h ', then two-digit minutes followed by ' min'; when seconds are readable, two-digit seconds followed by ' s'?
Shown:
2 h 51 min
